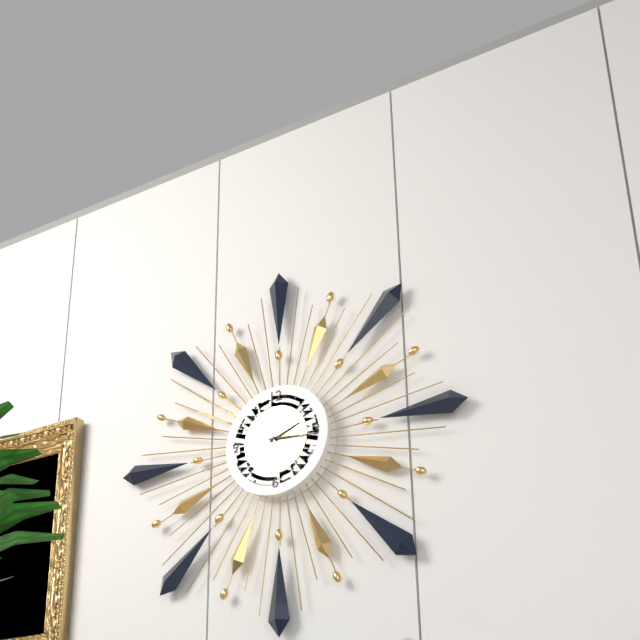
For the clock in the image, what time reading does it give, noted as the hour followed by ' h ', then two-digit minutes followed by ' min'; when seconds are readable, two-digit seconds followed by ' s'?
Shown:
2 h 16 min
